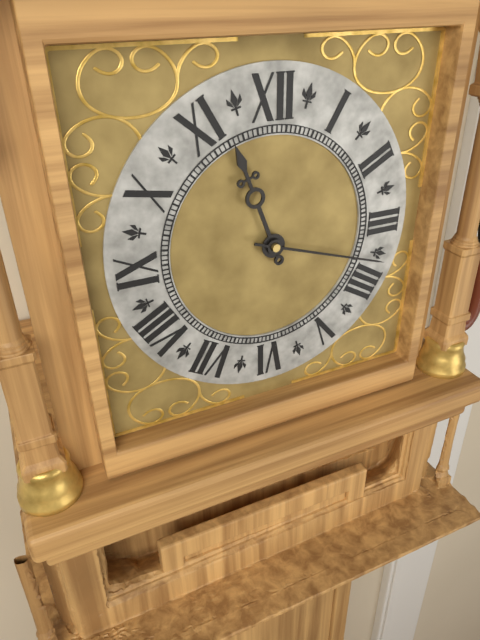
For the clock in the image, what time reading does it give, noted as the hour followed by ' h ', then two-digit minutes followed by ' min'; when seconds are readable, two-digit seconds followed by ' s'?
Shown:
11 h 18 min
